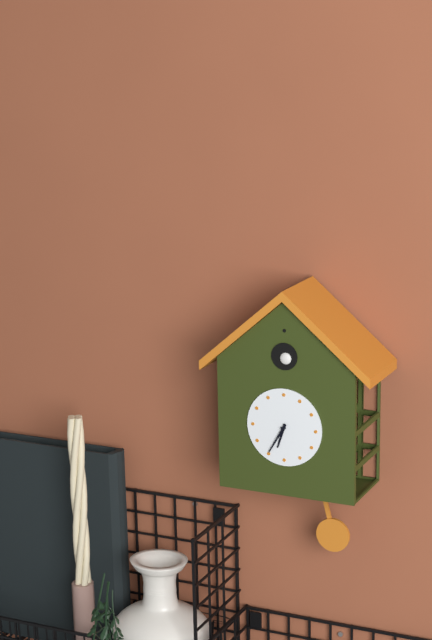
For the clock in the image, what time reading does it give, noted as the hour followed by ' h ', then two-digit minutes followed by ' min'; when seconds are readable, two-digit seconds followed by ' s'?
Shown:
6 h 35 min
